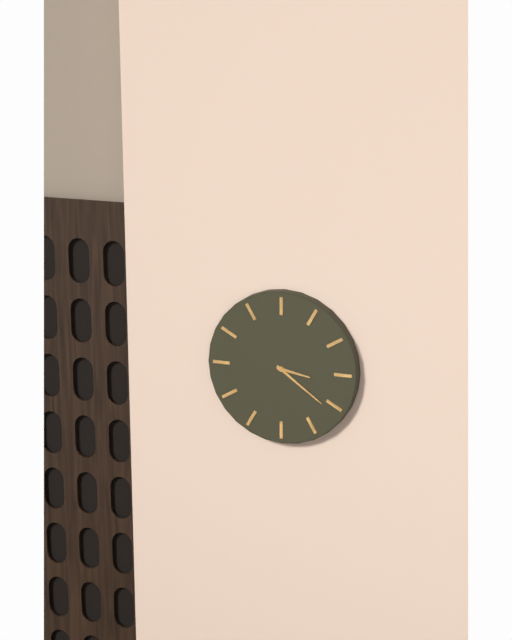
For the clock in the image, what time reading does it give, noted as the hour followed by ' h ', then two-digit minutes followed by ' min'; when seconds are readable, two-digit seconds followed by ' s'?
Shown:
3 h 21 min
